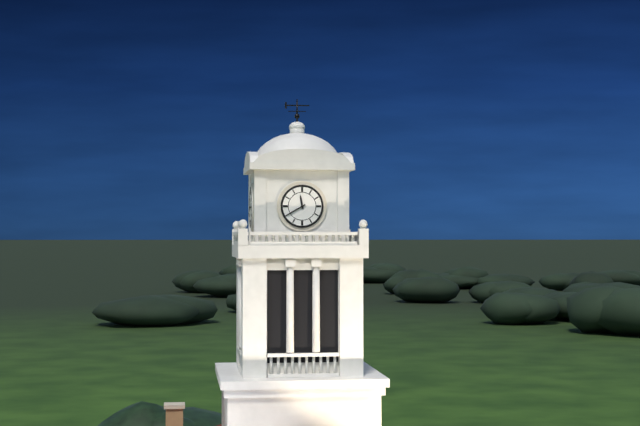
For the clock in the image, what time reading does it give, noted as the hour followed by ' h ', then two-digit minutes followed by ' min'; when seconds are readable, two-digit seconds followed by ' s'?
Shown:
11 h 40 min
